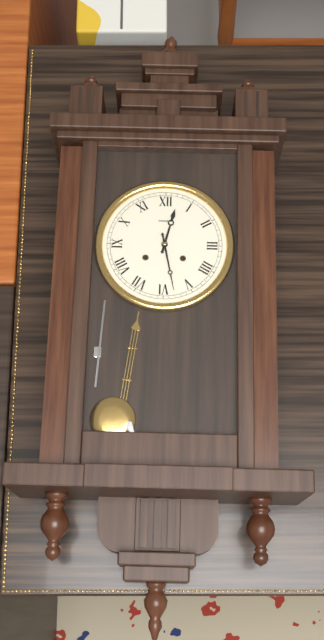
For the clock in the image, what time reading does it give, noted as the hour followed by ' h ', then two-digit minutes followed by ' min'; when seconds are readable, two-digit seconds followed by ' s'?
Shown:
12 h 28 min
